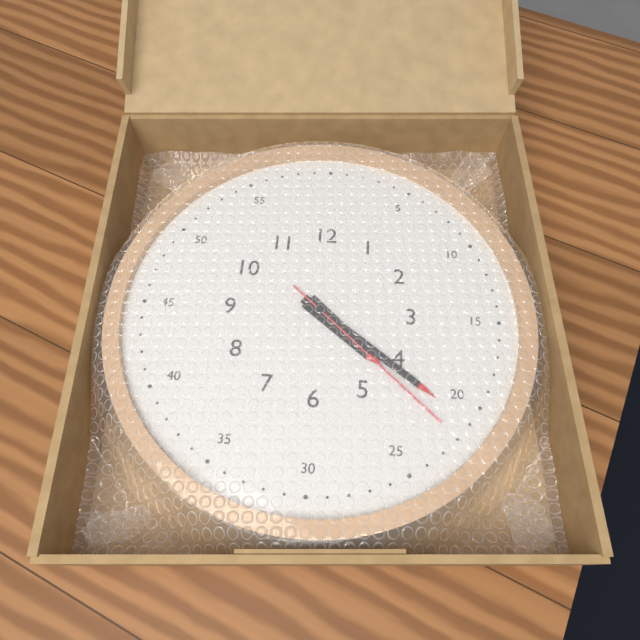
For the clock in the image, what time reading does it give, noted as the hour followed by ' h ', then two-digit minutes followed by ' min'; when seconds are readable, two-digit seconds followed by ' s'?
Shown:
4 h 21 min 22 s
